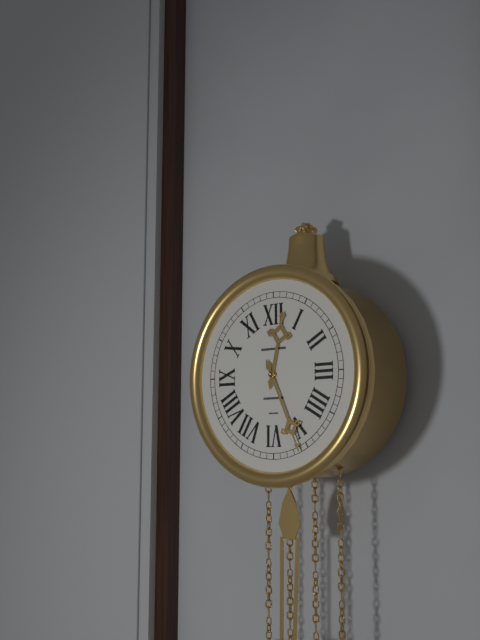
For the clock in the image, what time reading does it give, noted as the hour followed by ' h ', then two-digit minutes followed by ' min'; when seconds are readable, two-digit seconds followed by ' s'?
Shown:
12 h 26 min
